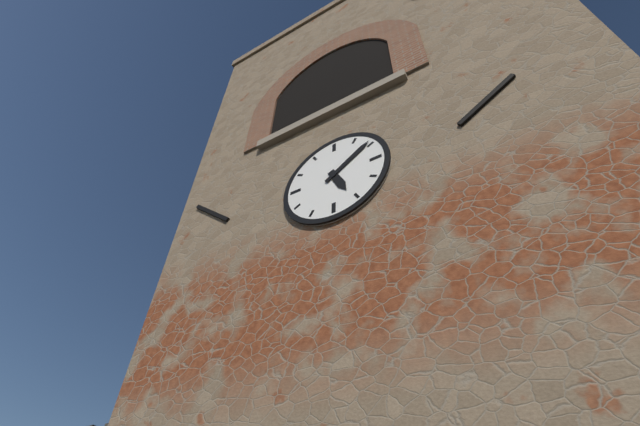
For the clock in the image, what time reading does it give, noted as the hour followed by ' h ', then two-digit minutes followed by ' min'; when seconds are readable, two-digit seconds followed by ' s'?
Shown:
5 h 09 min
